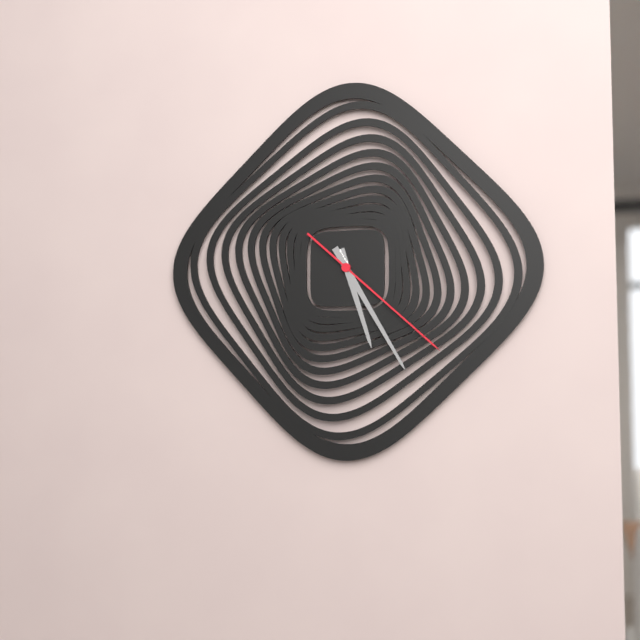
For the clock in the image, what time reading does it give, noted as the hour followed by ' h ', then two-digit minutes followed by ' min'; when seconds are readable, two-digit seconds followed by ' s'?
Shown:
5 h 25 min 22 s
